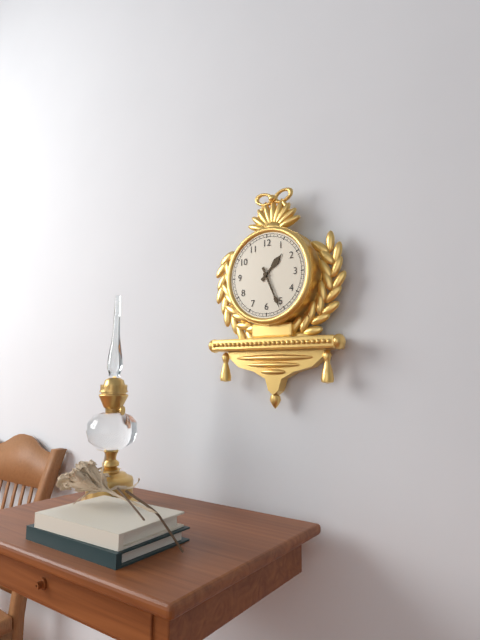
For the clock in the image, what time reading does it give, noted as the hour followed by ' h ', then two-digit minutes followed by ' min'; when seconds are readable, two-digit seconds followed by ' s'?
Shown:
1 h 26 min
